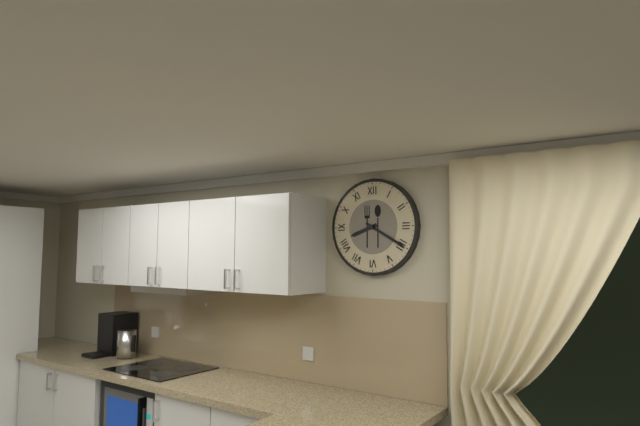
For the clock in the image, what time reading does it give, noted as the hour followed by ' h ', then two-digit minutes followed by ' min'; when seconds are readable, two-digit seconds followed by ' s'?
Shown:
8 h 20 min
